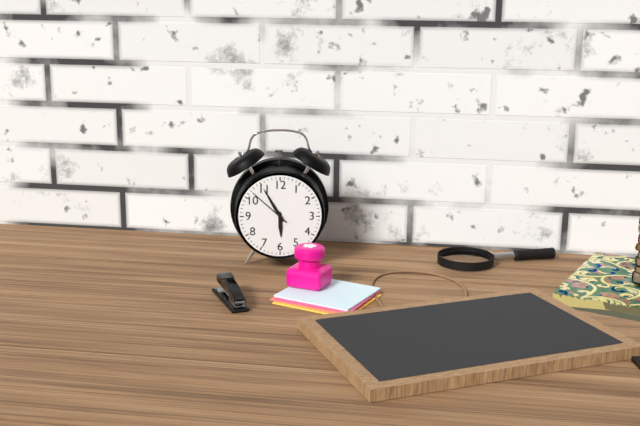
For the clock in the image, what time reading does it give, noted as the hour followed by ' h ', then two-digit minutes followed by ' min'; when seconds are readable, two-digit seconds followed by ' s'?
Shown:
5 h 55 min
